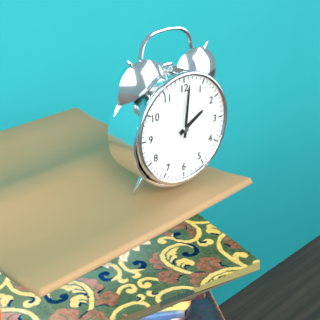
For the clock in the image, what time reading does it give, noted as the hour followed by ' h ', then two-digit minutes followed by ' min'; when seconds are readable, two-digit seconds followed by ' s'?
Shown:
2 h 01 min
